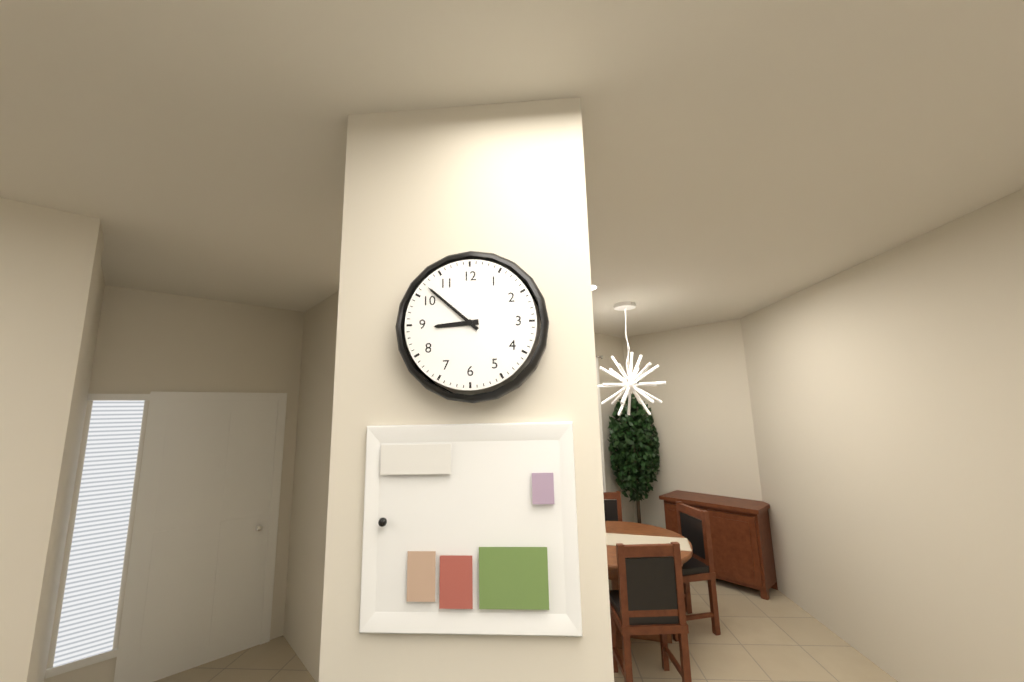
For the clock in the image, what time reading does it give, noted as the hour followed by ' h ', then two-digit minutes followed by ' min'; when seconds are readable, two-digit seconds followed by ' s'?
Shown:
8 h 52 min
